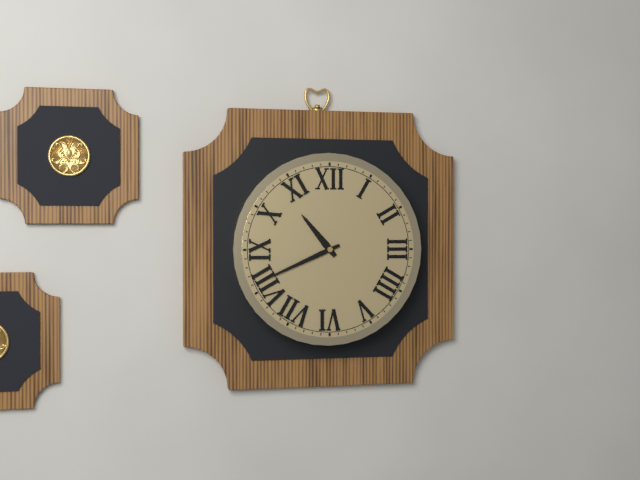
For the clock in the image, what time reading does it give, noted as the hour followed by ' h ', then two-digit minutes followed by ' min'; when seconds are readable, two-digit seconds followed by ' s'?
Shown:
10 h 41 min
